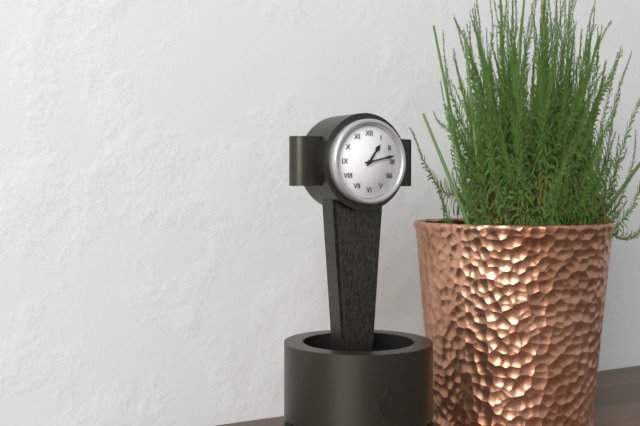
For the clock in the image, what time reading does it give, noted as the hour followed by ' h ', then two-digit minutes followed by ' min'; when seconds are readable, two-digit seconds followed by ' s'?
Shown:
1 h 13 min
